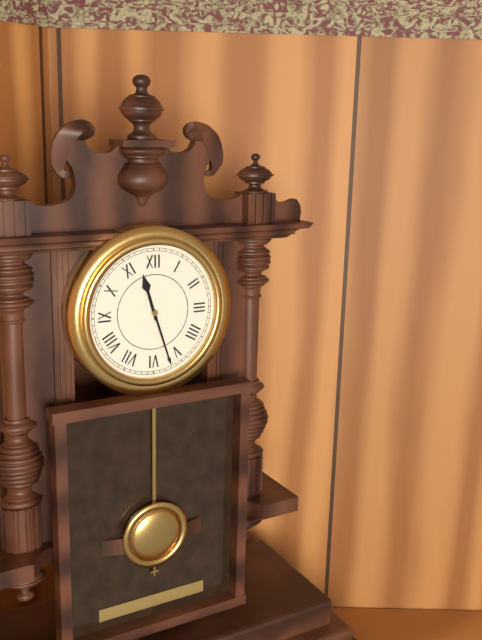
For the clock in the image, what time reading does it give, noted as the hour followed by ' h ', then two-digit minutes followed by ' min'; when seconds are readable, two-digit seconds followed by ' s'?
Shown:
11 h 27 min
